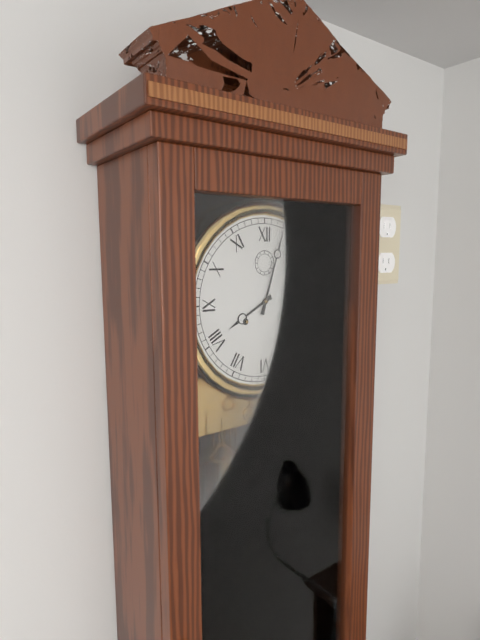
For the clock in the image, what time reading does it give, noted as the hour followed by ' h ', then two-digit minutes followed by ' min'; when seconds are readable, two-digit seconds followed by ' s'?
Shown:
8 h 03 min
